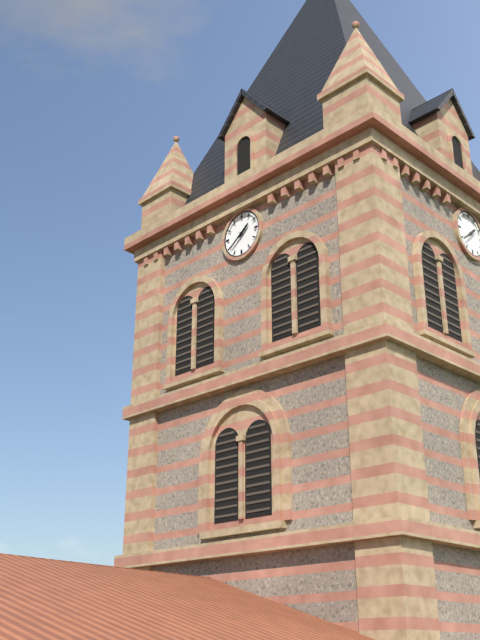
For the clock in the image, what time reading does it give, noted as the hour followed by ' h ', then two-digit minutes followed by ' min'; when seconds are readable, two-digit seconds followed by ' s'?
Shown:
1 h 39 min
